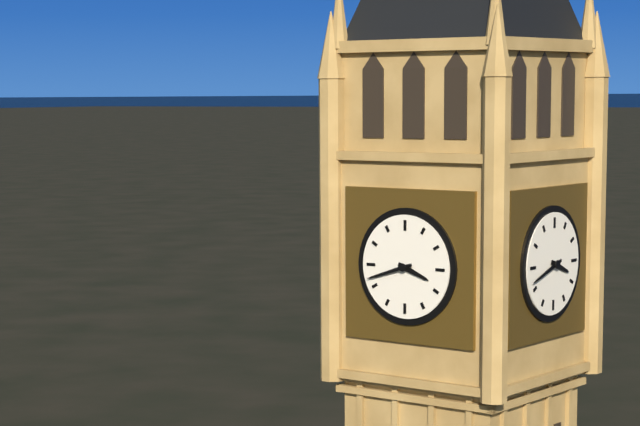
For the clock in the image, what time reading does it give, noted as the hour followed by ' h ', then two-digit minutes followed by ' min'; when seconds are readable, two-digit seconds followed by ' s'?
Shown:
3 h 42 min
